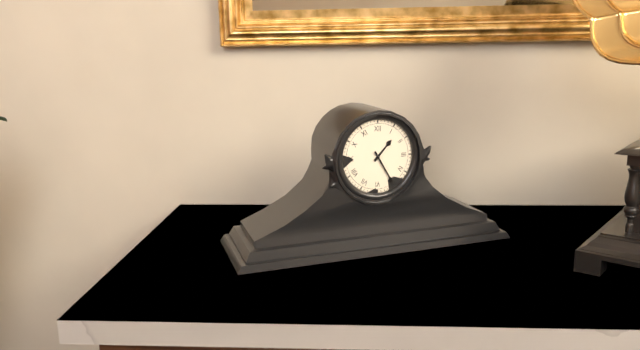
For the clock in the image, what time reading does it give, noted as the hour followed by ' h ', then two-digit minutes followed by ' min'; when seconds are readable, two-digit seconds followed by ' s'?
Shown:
1 h 25 min
